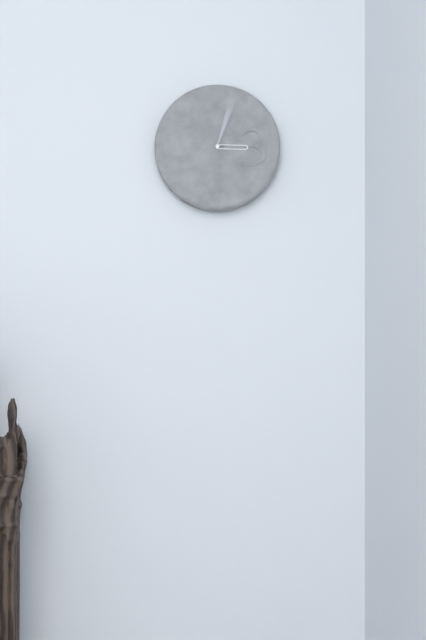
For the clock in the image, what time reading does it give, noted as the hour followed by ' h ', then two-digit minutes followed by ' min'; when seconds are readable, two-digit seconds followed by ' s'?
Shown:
3 h 03 min
